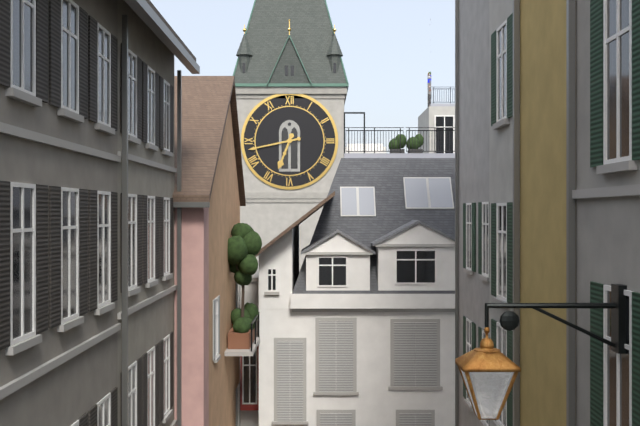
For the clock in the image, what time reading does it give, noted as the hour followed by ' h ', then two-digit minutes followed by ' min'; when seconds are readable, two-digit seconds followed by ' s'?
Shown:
6 h 43 min
